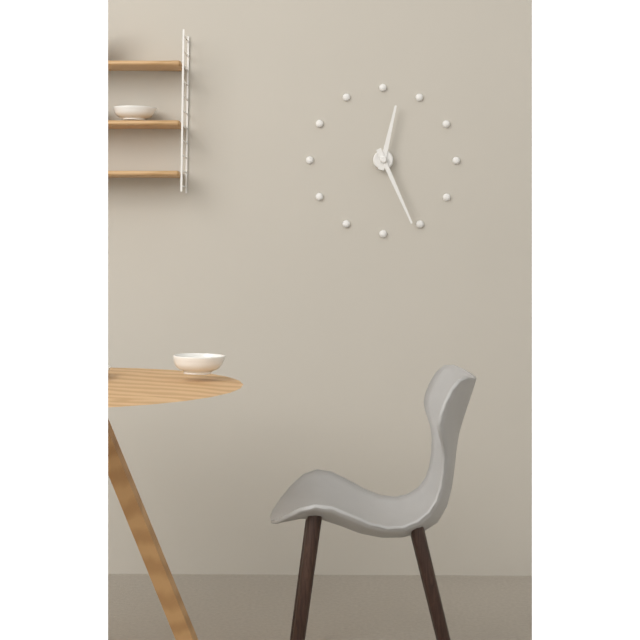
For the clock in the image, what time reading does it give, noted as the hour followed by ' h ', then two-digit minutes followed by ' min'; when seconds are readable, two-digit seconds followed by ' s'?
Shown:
12 h 26 min
